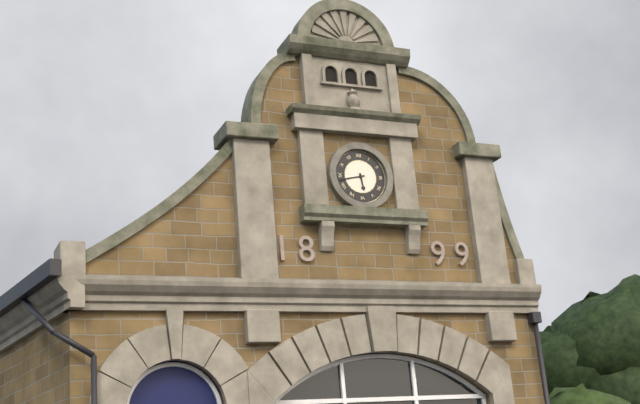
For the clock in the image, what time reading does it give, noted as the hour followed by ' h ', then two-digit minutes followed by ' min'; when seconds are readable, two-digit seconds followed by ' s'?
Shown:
5 h 43 min
